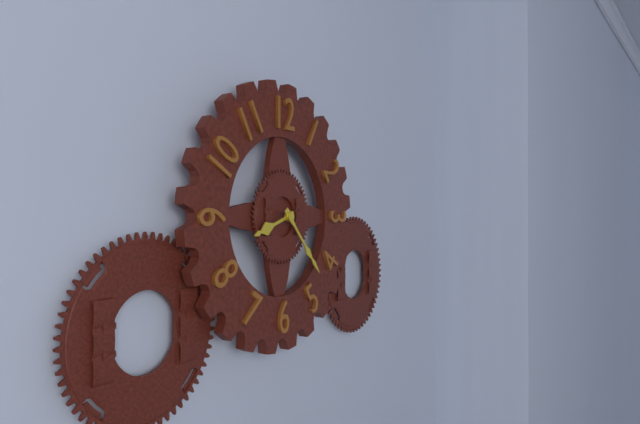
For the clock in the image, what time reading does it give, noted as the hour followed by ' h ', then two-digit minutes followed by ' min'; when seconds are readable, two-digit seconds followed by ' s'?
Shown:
8 h 23 min
